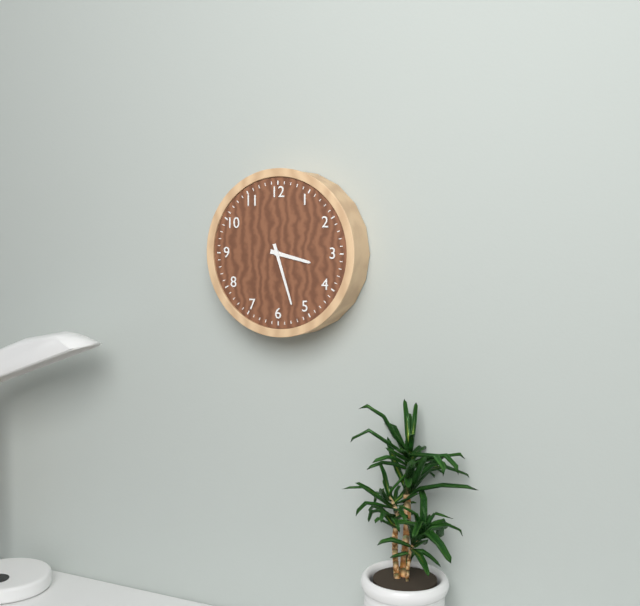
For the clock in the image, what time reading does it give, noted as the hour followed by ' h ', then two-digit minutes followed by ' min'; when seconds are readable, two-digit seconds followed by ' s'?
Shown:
3 h 27 min
